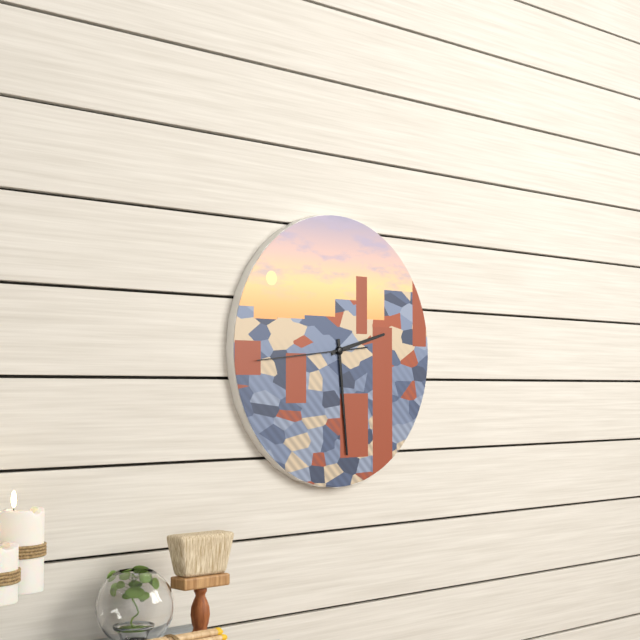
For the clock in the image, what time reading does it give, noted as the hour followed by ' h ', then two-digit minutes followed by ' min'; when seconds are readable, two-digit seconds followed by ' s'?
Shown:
2 h 29 min 44 s
